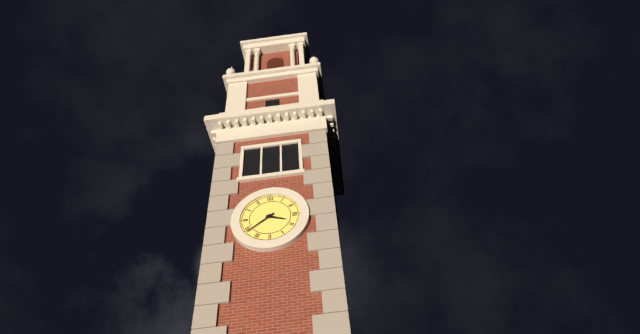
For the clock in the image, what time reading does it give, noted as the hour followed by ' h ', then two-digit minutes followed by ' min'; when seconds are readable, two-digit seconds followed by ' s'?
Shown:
3 h 39 min
